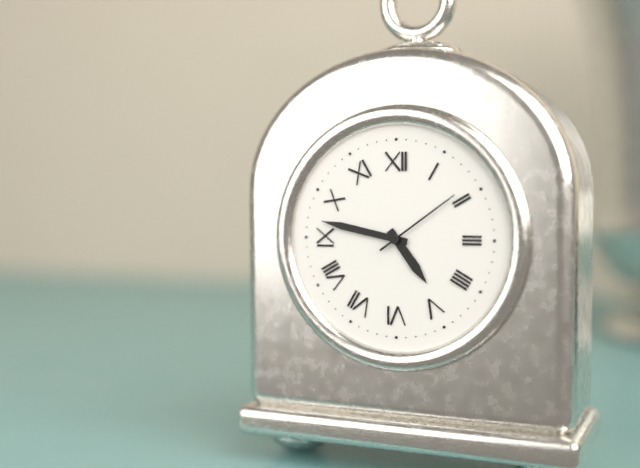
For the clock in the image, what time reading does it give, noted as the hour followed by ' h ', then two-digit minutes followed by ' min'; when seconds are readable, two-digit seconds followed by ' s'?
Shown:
4 h 47 min 09 s
